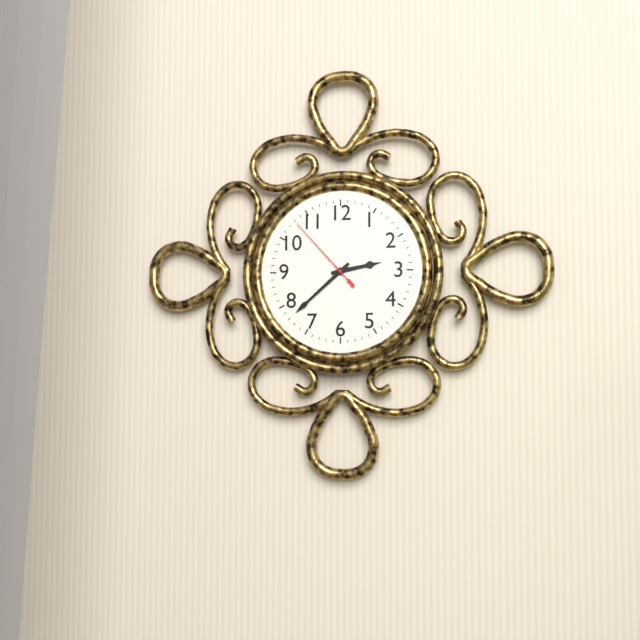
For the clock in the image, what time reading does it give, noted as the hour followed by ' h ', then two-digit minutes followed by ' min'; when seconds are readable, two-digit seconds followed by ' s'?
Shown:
2 h 38 min 53 s
